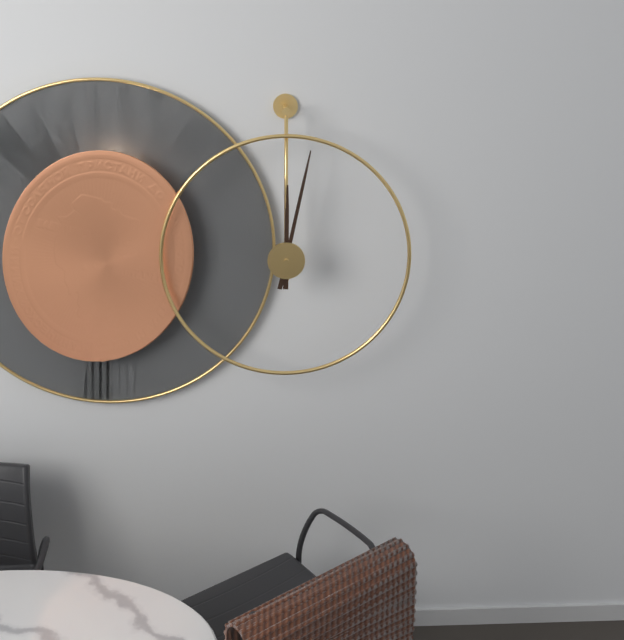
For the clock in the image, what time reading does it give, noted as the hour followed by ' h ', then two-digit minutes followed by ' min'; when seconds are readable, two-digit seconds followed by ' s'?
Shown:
12 h 02 min
